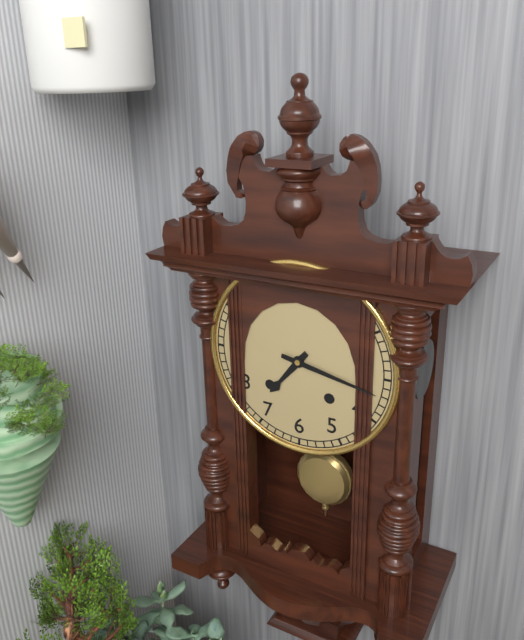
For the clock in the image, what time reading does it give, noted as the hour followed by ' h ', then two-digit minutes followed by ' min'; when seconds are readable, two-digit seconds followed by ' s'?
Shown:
7 h 17 min
